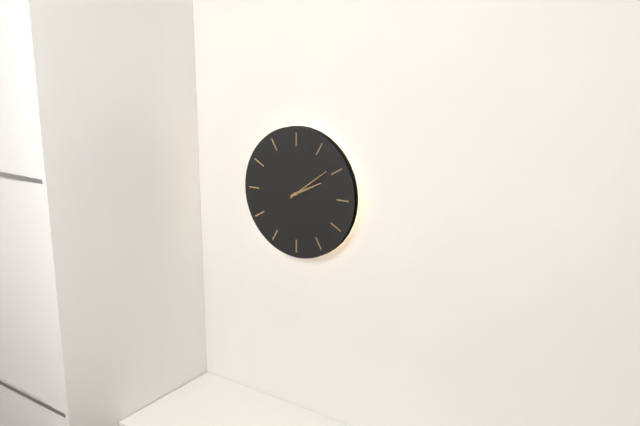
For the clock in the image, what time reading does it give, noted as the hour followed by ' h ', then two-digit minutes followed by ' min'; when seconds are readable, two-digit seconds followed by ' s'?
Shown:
2 h 09 min
